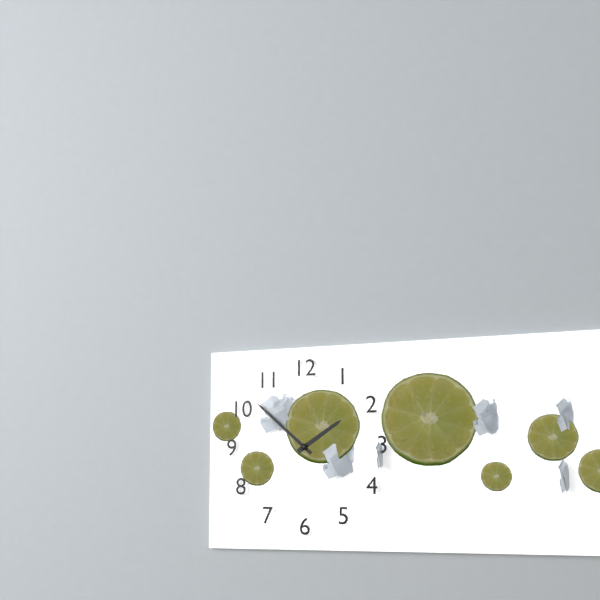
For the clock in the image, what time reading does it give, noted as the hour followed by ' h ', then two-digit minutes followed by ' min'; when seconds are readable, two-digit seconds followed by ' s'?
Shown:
1 h 52 min
